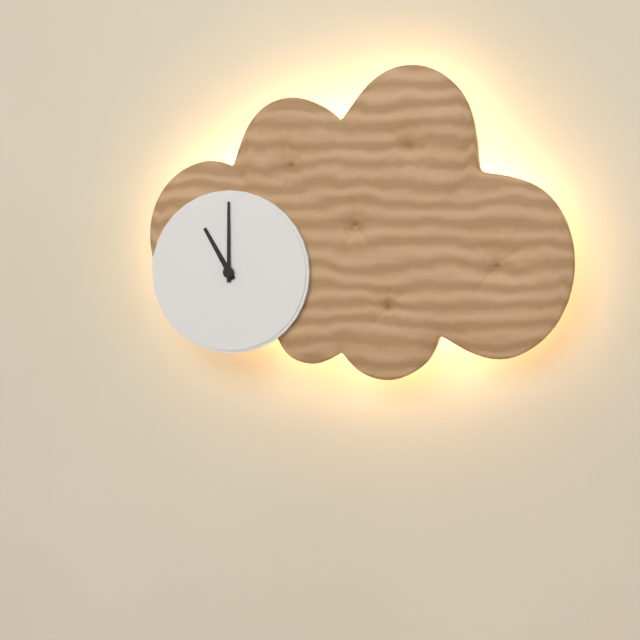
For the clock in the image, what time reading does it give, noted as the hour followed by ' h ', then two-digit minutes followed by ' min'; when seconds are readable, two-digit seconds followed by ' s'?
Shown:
11 h 00 min
